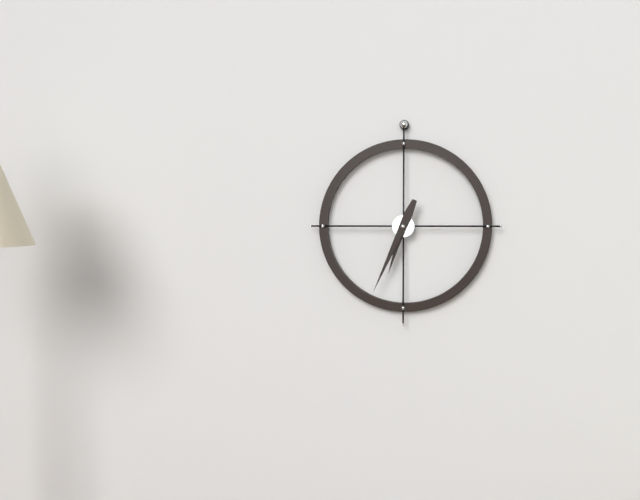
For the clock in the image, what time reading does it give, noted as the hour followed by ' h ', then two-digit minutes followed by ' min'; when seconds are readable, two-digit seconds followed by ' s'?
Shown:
6 h 34 min
